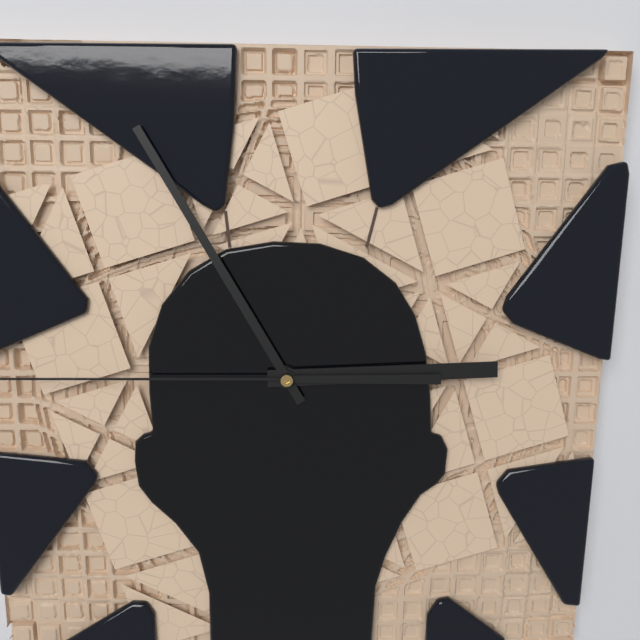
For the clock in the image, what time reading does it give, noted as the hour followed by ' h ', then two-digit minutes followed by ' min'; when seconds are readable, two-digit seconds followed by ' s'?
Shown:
2 h 55 min
